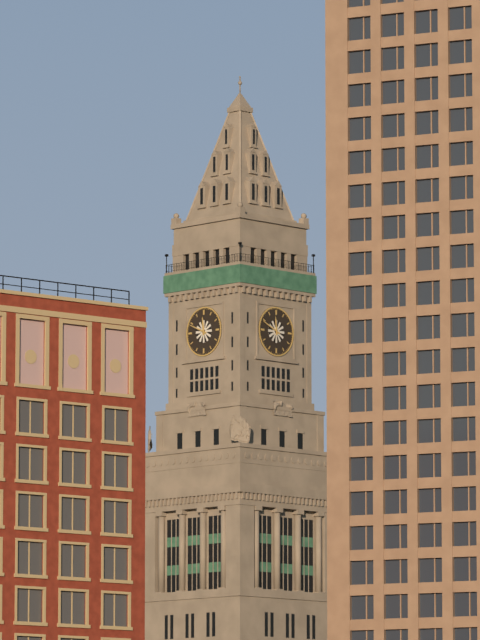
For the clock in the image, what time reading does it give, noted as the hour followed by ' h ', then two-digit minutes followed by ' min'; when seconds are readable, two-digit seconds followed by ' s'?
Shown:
11 h 49 min
